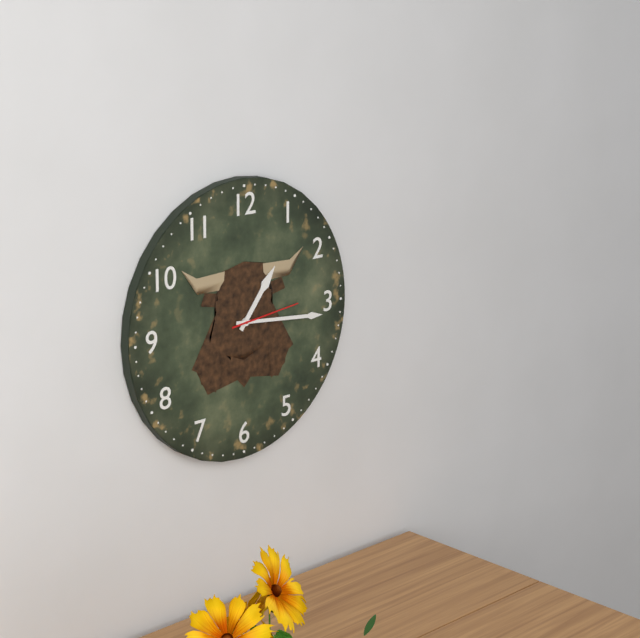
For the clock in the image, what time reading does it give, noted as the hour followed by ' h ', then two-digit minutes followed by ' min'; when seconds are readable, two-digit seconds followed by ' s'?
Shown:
1 h 16 min 14 s
